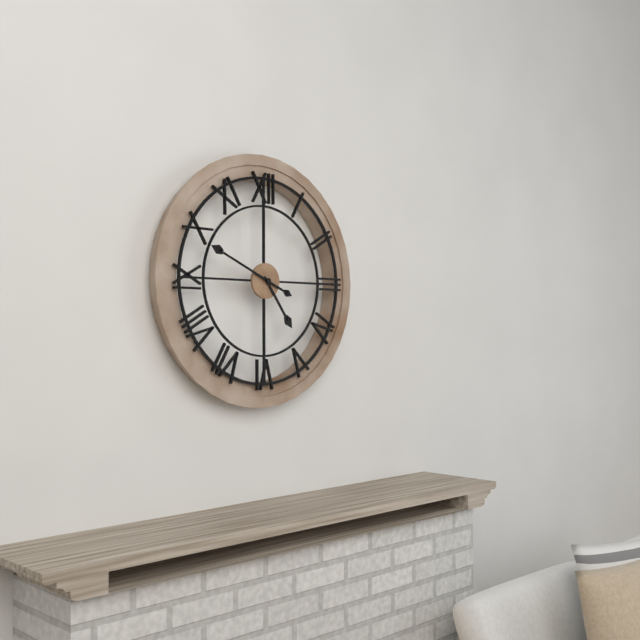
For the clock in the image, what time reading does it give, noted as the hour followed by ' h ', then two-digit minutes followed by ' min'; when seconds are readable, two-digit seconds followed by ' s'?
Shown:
4 h 49 min
